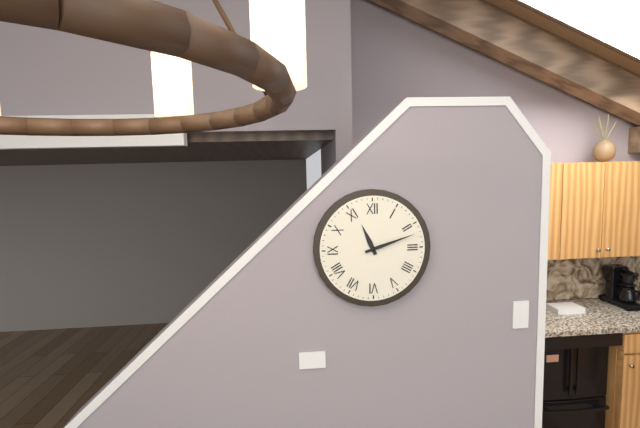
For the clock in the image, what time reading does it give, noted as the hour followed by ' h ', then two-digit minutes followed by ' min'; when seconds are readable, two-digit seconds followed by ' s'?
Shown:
11 h 12 min
